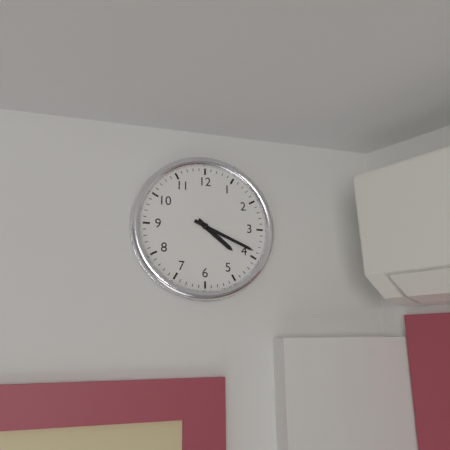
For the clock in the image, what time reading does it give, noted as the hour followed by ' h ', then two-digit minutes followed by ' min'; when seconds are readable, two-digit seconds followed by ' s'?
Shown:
4 h 19 min
